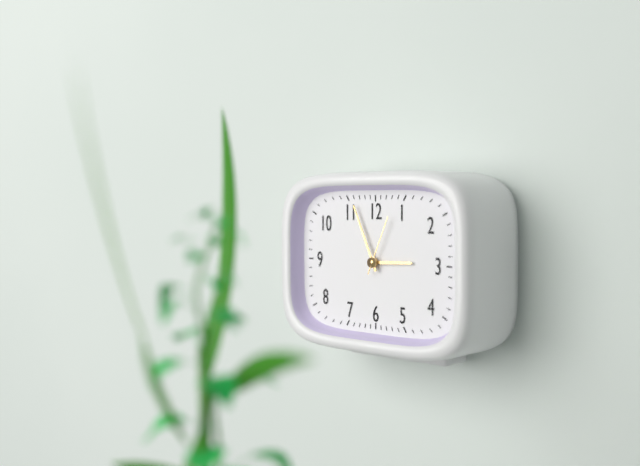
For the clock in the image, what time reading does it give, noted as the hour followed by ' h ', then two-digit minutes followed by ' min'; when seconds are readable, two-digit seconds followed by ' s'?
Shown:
2 h 56 min 04 s
